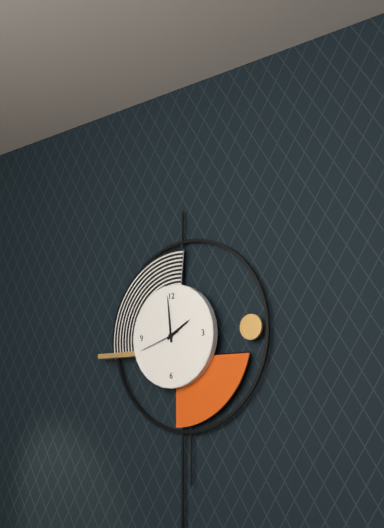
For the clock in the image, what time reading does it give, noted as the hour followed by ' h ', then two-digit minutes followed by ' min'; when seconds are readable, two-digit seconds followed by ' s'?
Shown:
1 h 59 min
